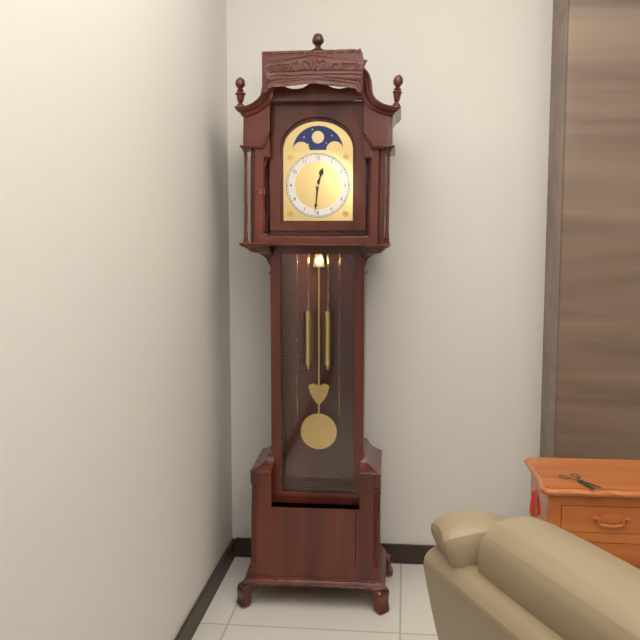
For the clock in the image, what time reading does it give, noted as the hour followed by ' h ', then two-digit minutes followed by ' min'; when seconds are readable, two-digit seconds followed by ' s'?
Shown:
12 h 31 min
